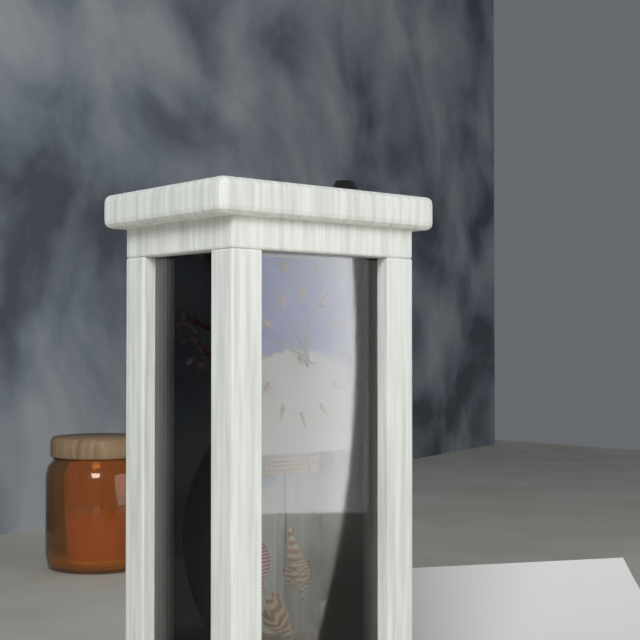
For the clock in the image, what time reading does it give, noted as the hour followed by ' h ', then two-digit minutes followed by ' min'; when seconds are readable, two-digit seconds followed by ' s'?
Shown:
11 h 49 min 54 s
